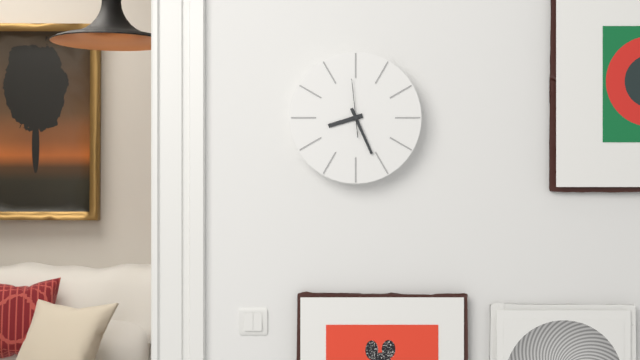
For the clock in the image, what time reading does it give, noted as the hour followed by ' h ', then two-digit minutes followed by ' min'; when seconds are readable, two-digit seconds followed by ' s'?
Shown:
8 h 26 min
